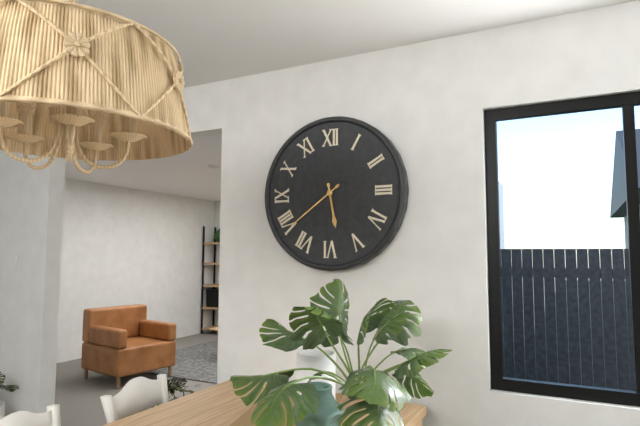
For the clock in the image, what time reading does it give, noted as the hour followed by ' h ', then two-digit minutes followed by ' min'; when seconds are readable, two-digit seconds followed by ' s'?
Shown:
5 h 39 min
